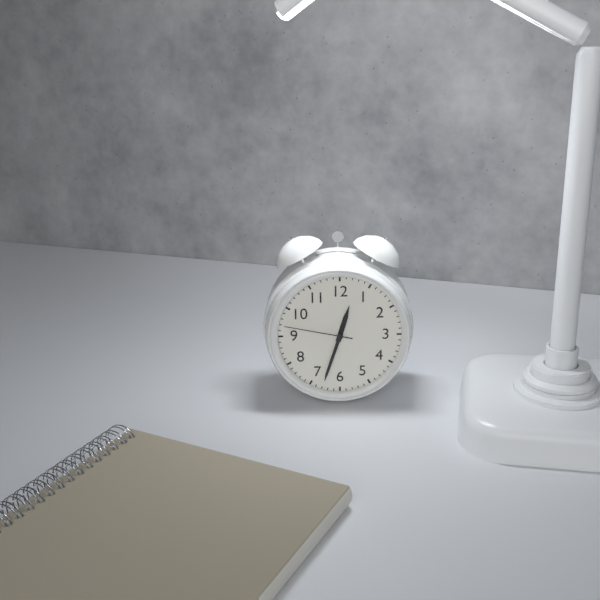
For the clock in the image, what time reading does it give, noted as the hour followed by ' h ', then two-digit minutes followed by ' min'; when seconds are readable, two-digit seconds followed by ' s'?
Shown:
12 h 33 min 47 s
